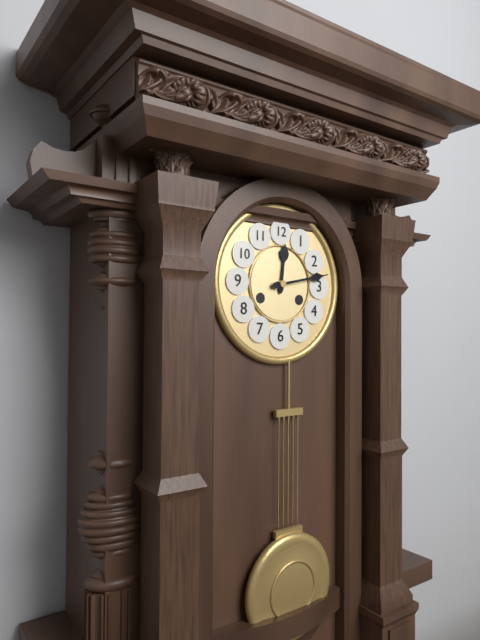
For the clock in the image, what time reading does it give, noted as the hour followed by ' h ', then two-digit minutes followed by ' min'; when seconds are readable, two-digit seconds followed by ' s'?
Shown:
12 h 13 min
